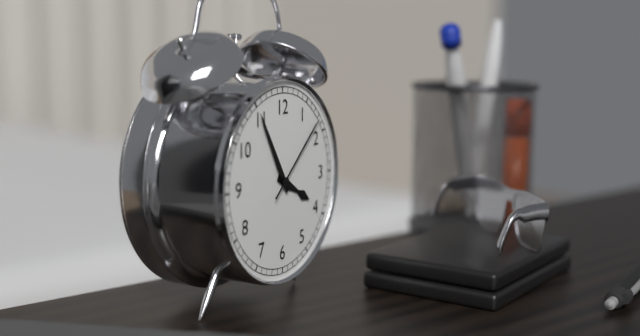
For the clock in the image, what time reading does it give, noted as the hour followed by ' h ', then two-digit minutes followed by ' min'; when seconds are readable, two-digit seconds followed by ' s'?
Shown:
3 h 55 min 08 s
